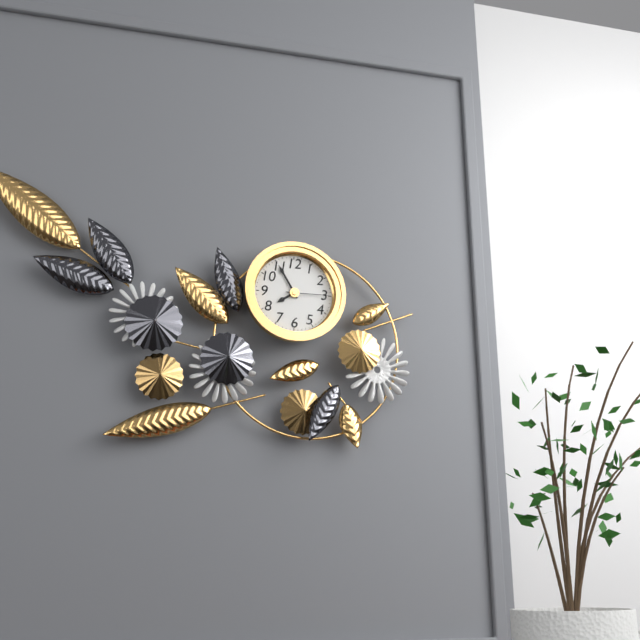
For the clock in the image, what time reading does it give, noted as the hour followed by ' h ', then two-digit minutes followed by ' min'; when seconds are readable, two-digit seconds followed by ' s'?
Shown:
7 h 55 min
